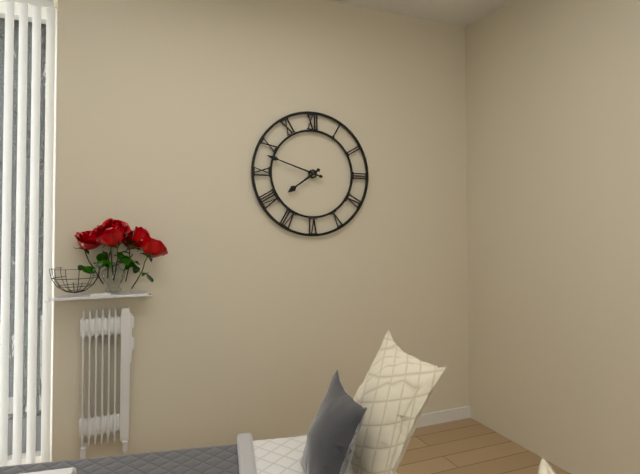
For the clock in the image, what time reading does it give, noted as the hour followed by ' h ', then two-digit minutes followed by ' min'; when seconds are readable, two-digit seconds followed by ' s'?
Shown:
7 h 48 min
